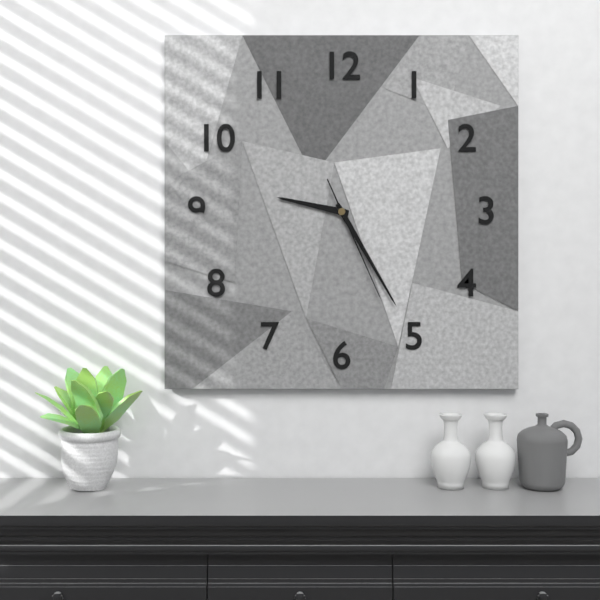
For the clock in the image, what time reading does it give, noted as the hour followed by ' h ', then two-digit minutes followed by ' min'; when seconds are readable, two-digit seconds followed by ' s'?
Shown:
9 h 25 min 26 s
